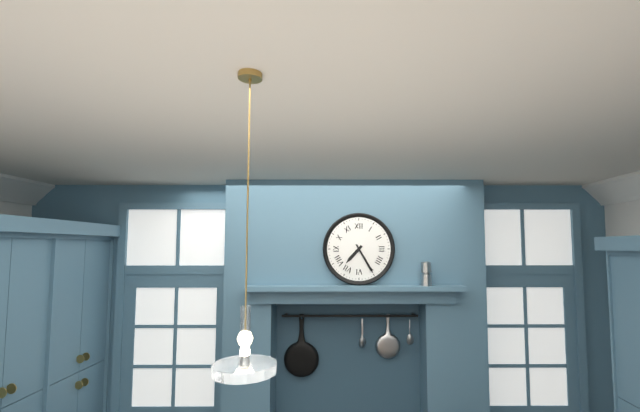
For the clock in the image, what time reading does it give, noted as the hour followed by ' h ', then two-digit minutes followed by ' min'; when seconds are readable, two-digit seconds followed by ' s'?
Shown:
7 h 25 min
